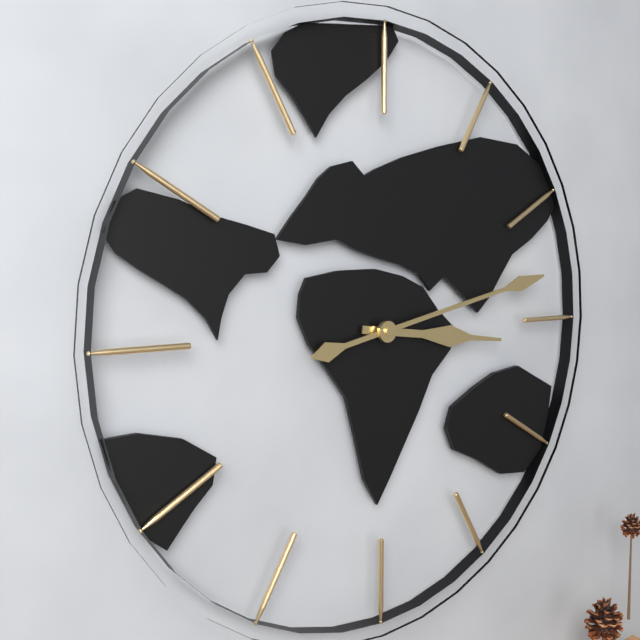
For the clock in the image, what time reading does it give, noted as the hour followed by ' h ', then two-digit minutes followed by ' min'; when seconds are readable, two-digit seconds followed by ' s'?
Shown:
3 h 13 min
